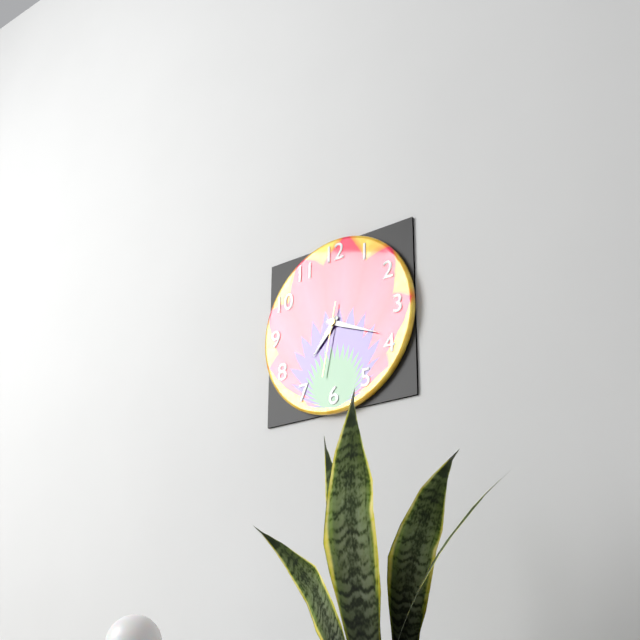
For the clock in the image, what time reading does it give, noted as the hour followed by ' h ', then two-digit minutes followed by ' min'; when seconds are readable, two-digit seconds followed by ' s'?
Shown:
7 h 19 min 32 s
